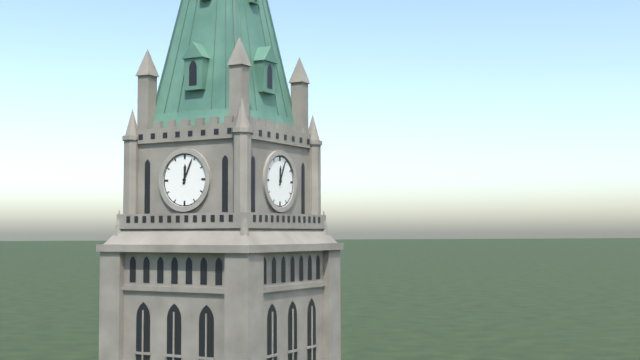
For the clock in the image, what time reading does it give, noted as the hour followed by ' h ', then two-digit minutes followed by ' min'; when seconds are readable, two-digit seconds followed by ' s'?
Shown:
12 h 04 min
